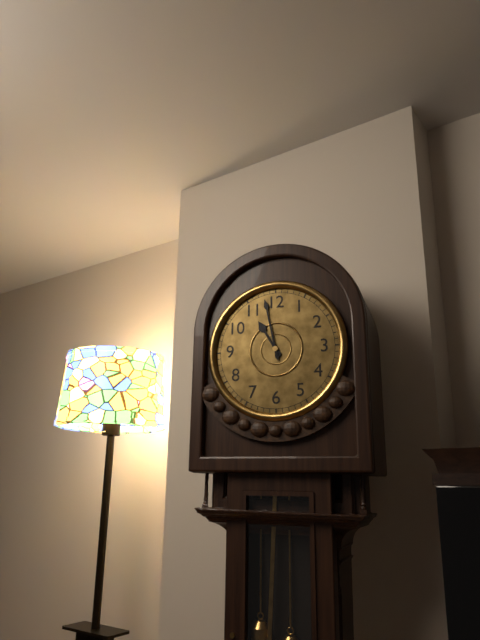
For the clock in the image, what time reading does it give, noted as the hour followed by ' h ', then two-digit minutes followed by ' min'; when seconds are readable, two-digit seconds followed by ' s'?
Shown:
10 h 58 min
